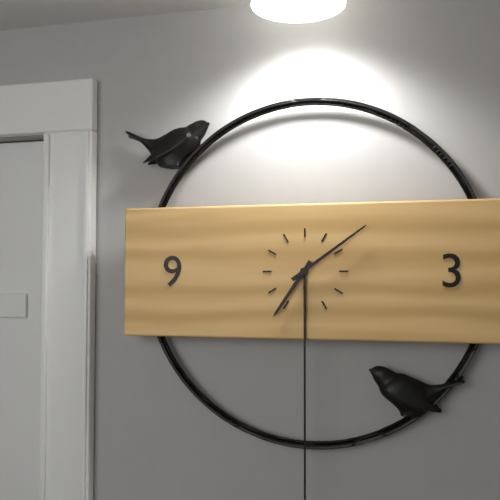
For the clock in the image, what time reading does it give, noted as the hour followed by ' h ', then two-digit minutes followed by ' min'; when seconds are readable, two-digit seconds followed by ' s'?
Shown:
7 h 09 min
